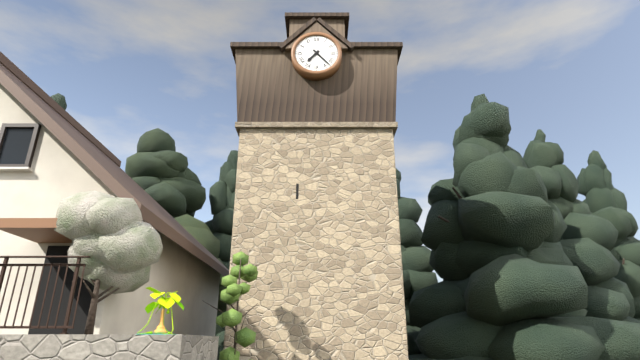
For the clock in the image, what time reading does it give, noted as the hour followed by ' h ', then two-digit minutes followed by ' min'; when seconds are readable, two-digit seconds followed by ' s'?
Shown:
7 h 23 min
